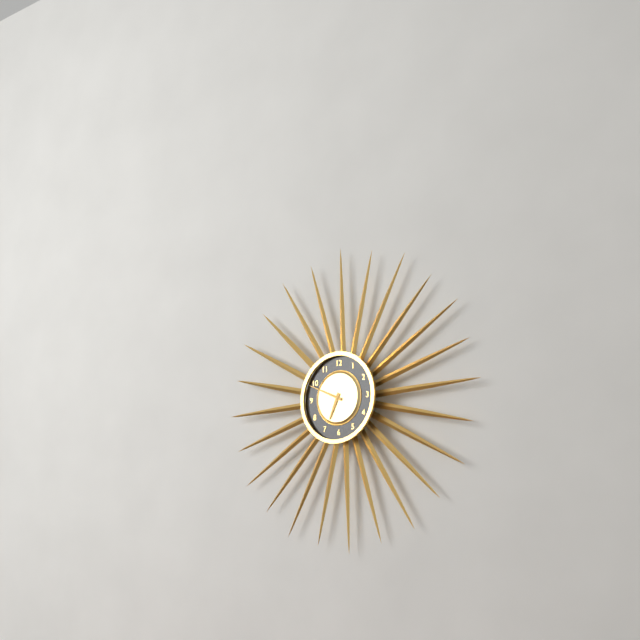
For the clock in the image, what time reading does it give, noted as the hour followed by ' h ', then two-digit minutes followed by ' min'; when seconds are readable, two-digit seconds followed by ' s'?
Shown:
6 h 49 min
